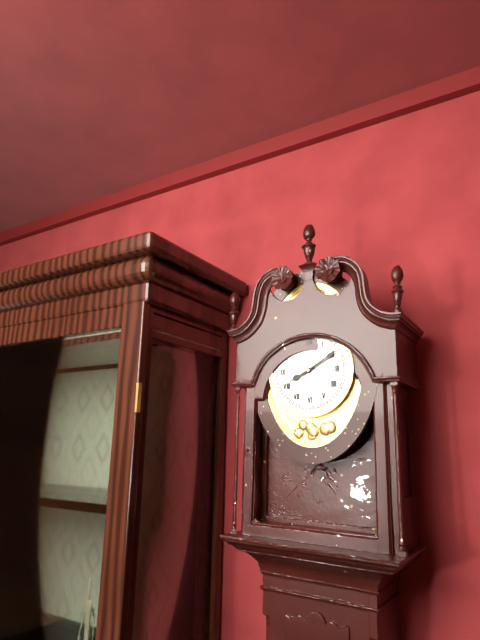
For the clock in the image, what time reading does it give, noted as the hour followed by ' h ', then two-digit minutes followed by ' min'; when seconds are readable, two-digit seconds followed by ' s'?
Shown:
8 h 10 min
